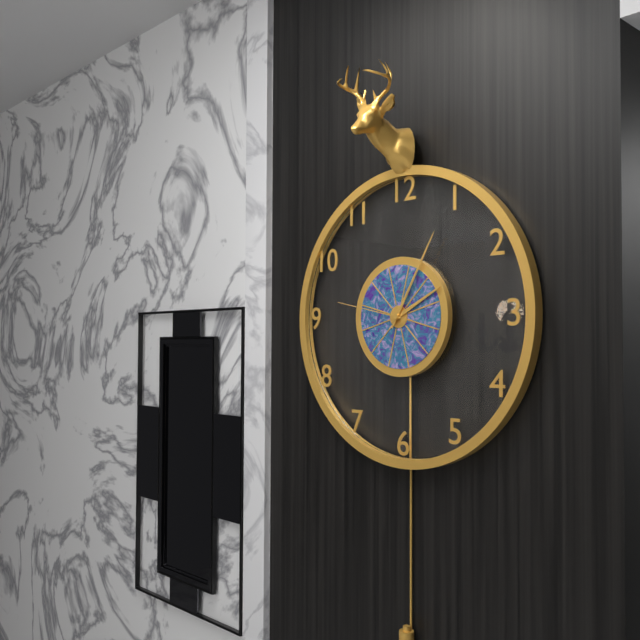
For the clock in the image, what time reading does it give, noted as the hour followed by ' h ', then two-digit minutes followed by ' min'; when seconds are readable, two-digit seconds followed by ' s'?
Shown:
2 h 05 min 47 s
